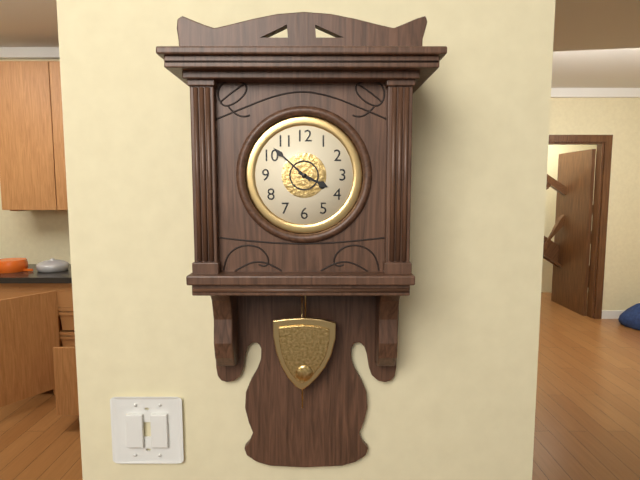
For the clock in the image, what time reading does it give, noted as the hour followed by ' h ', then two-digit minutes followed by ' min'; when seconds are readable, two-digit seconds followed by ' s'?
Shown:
3 h 52 min
